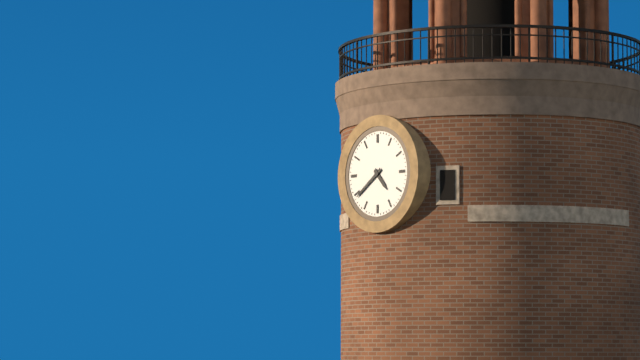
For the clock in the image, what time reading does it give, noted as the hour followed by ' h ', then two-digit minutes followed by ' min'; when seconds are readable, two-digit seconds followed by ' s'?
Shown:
4 h 39 min
